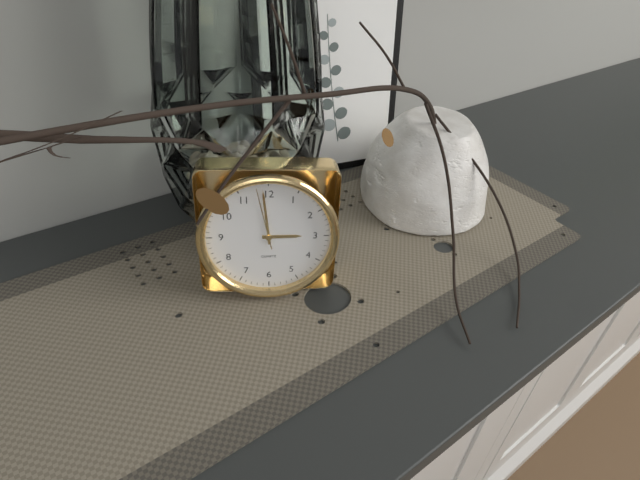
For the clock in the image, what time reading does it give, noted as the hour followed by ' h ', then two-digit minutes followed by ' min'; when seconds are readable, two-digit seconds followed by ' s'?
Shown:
2 h 59 min 58 s
